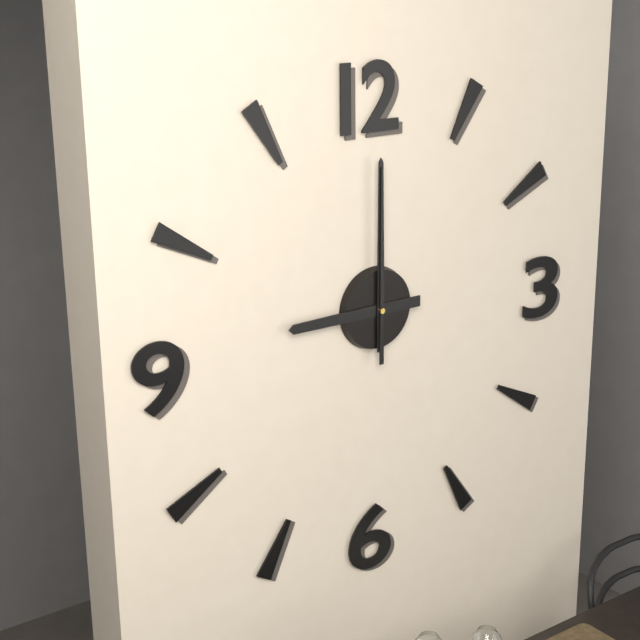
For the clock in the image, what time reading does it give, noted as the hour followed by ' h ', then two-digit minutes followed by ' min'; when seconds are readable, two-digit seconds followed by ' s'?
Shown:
9 h 00 min 00 s
